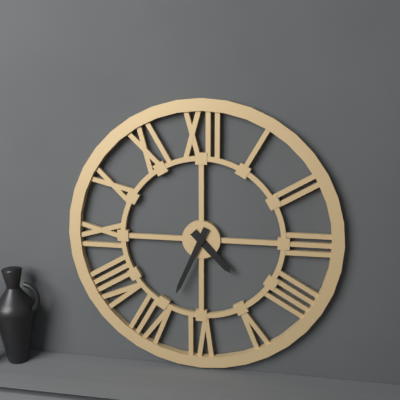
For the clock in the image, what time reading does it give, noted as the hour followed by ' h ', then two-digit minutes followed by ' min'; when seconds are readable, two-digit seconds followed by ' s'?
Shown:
4 h 34 min
